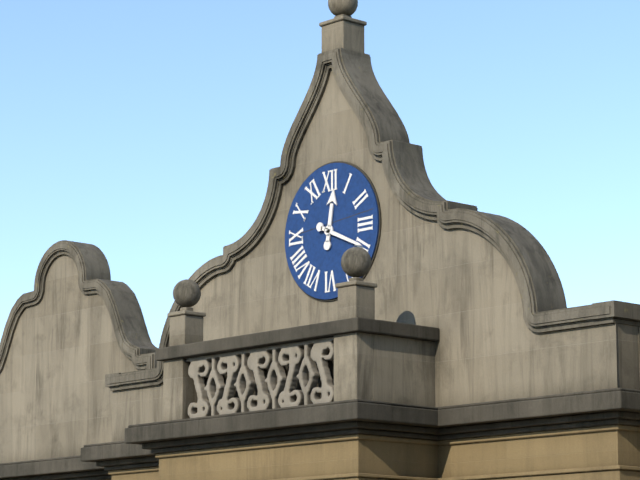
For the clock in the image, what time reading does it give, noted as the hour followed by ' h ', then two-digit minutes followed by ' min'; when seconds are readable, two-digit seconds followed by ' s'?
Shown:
12 h 19 min
